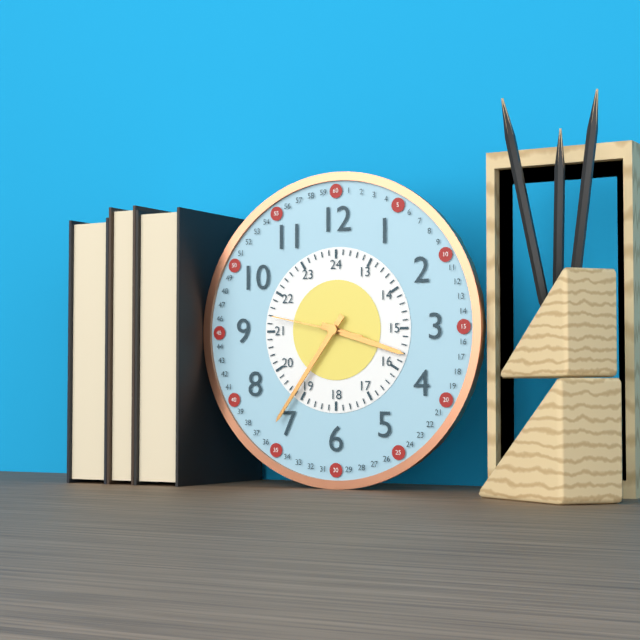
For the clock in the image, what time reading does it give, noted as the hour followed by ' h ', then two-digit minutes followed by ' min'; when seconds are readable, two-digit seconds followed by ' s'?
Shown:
3 h 36 min 47 s
